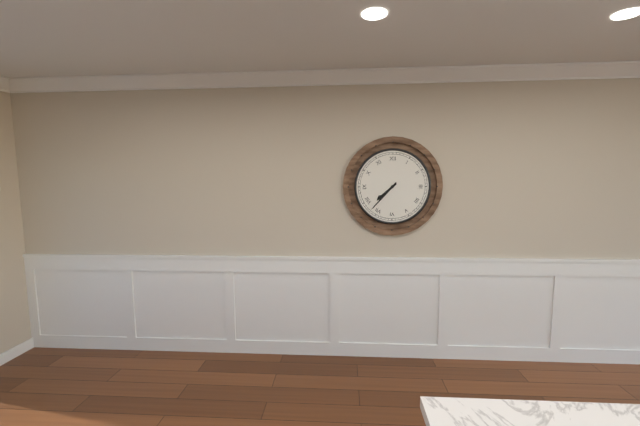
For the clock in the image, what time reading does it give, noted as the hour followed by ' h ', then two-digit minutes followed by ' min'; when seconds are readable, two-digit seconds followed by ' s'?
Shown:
7 h 37 min
